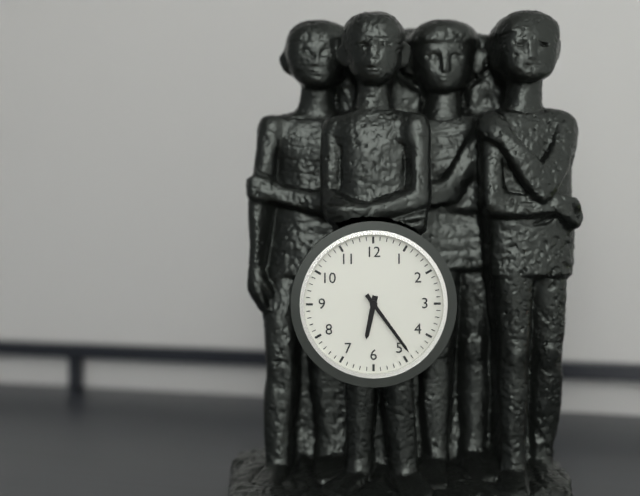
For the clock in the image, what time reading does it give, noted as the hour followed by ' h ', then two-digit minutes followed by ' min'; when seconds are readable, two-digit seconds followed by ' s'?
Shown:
6 h 24 min
